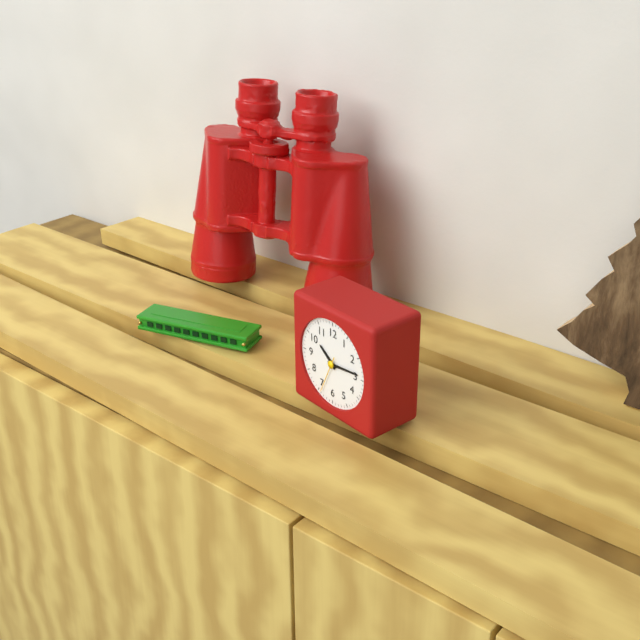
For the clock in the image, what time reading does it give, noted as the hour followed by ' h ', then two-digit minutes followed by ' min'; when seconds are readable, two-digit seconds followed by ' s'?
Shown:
10 h 14 min
